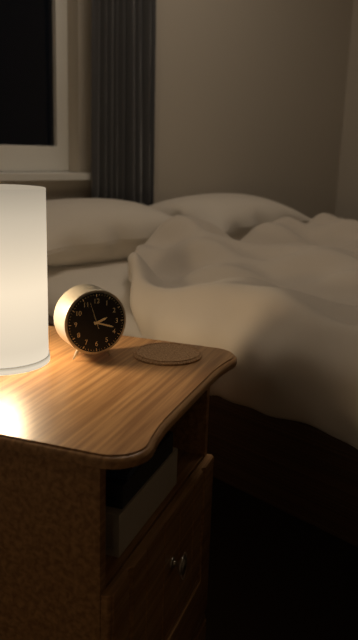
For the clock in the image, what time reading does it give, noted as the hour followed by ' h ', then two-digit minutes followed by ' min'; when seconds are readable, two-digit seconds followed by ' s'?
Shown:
2 h 18 min
